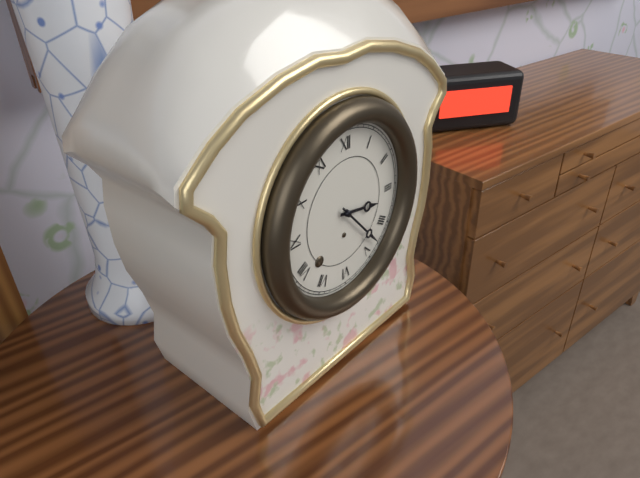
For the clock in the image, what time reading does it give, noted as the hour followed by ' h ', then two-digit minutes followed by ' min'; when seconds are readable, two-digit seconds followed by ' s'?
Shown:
3 h 23 min
